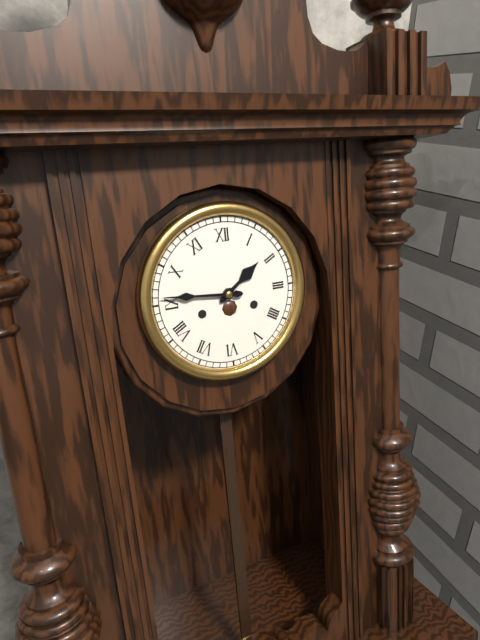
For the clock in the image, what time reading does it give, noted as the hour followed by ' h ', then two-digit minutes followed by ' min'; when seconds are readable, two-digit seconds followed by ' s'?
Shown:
1 h 46 min
